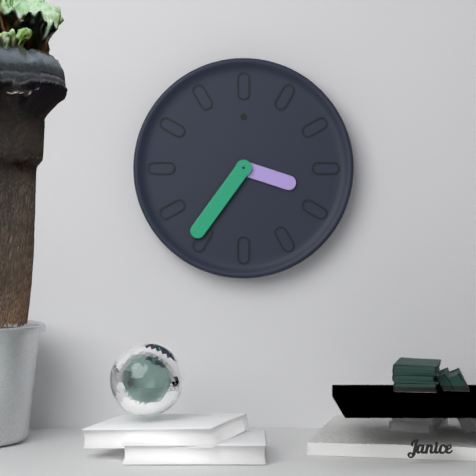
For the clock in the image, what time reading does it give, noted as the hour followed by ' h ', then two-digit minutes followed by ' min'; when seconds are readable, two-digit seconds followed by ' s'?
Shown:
3 h 36 min
